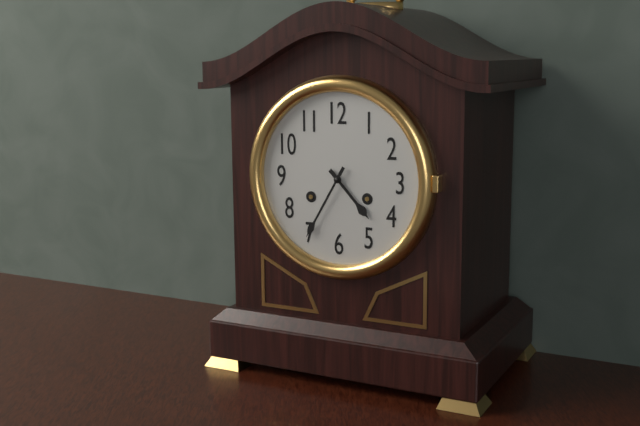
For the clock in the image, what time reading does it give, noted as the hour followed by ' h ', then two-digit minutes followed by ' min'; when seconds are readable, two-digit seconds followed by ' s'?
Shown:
4 h 35 min
